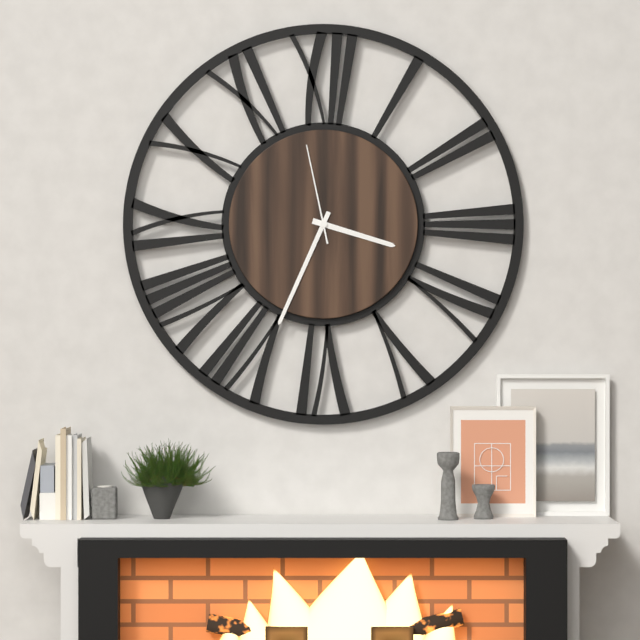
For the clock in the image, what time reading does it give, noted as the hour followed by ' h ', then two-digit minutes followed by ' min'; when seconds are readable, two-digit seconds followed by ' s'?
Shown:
3 h 34 min 58 s
